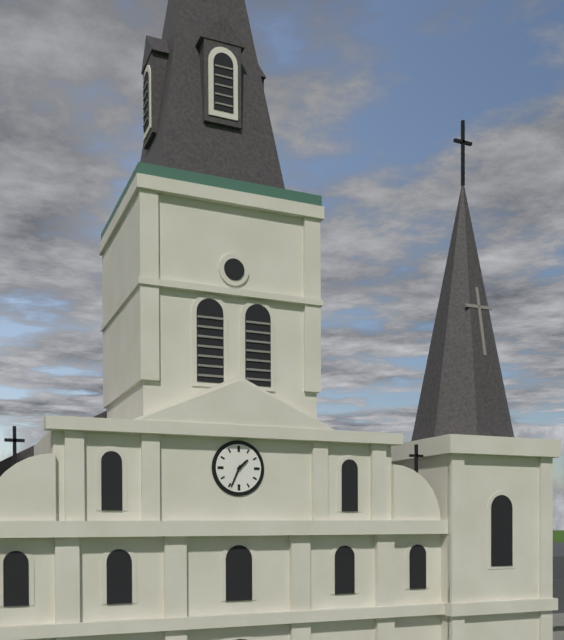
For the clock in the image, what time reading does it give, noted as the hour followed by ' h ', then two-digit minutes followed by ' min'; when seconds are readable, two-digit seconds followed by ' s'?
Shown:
1 h 34 min
